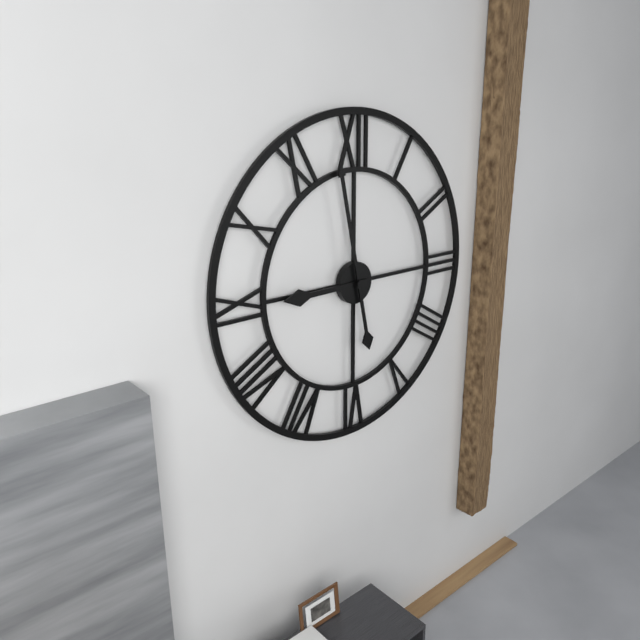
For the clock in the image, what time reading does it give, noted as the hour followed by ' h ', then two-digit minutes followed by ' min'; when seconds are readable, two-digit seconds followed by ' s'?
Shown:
8 h 58 min
